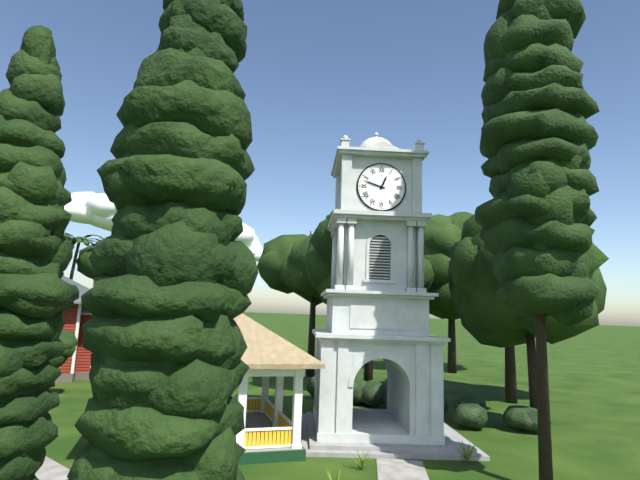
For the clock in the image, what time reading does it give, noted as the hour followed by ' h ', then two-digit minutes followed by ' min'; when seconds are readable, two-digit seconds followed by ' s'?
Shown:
12 h 48 min
